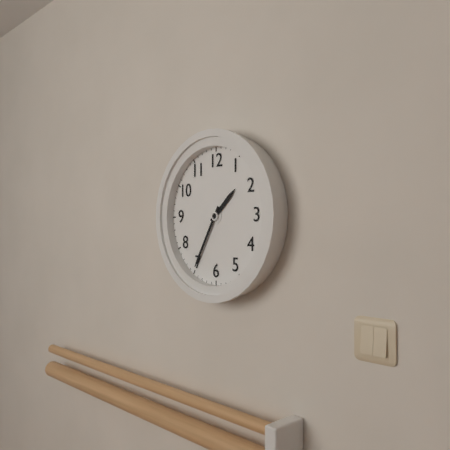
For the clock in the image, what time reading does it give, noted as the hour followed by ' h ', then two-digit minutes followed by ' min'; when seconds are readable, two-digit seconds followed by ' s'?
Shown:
1 h 35 min
